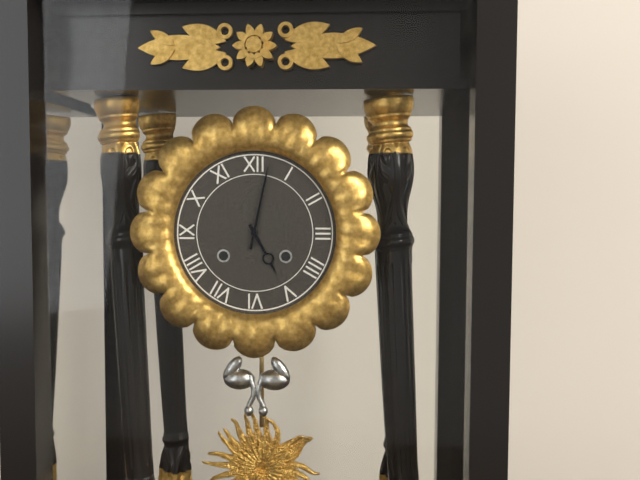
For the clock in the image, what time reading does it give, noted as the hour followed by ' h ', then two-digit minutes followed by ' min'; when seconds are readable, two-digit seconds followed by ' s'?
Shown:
5 h 02 min
